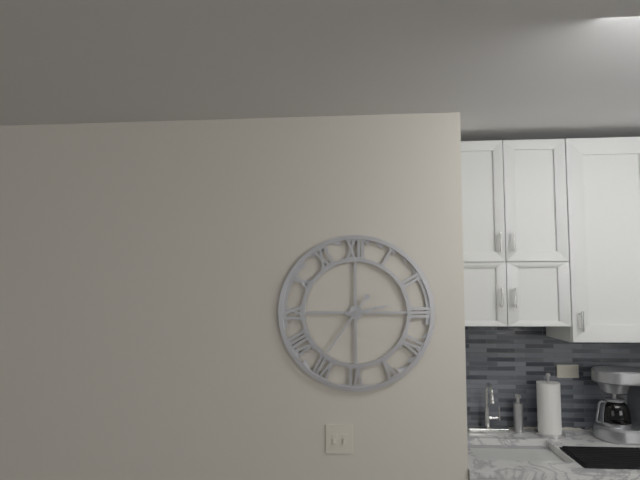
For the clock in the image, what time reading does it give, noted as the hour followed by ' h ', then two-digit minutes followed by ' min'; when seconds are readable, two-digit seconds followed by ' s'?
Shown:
2 h 36 min
